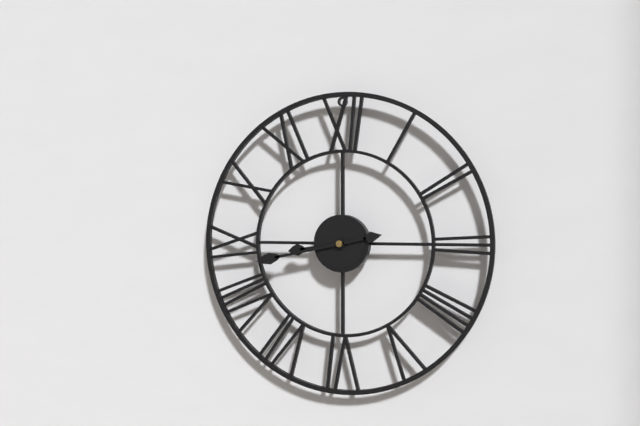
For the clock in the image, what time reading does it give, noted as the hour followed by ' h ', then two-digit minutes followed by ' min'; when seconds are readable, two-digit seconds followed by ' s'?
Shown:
8 h 43 min
